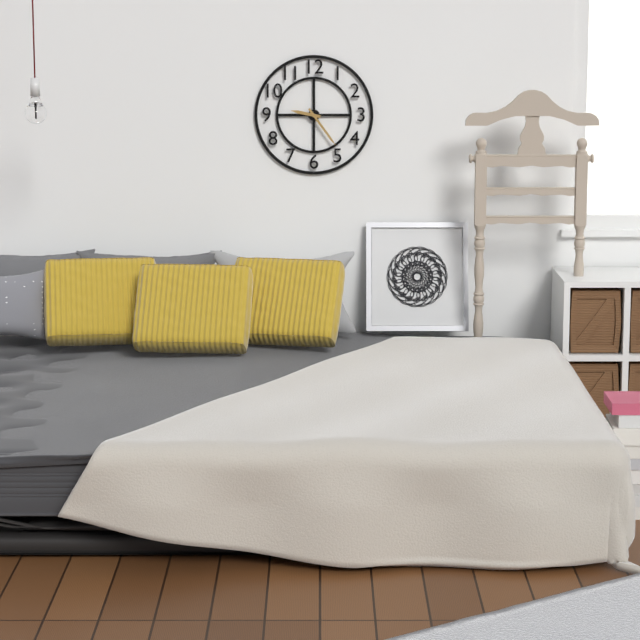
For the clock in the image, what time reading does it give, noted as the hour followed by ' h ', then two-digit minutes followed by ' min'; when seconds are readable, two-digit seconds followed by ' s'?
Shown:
9 h 24 min
